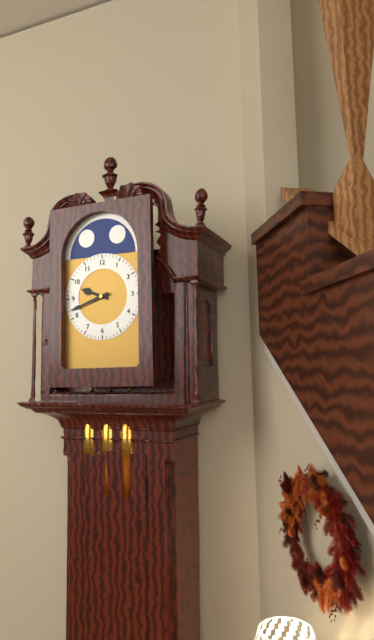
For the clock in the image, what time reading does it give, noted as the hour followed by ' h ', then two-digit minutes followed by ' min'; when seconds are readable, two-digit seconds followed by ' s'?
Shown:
9 h 42 min
